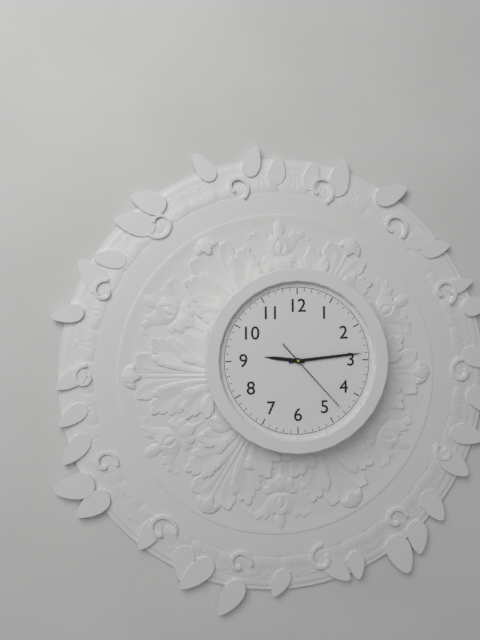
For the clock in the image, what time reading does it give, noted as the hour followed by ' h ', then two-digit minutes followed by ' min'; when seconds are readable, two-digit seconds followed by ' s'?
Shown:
9 h 14 min 23 s
